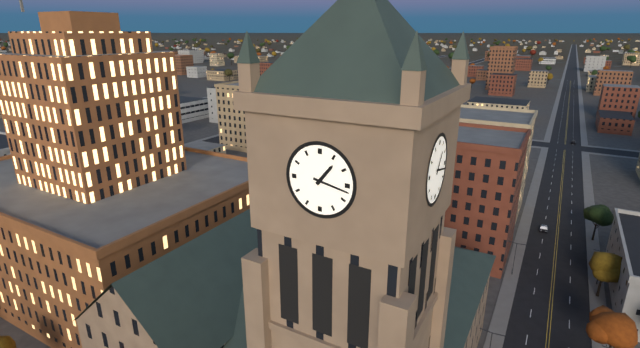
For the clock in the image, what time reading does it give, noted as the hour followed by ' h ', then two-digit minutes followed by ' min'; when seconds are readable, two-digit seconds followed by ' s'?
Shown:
1 h 17 min
